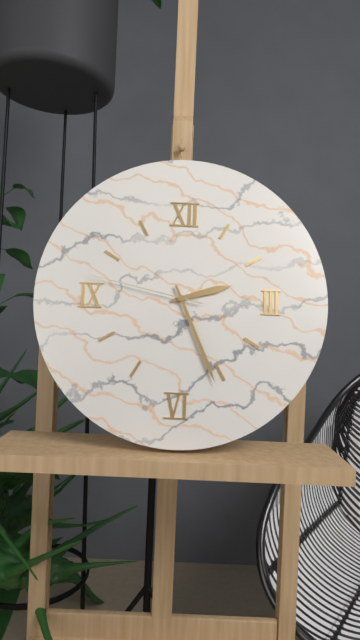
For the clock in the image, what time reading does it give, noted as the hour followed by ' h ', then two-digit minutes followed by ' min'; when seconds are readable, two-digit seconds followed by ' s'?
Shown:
2 h 26 min 47 s
